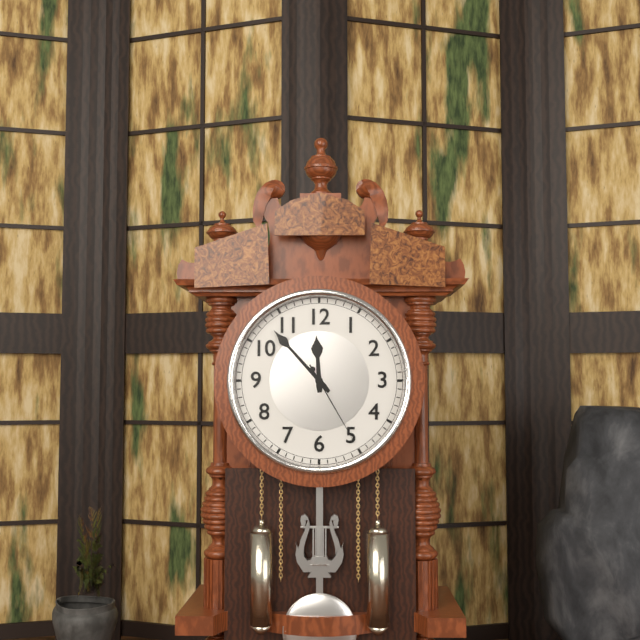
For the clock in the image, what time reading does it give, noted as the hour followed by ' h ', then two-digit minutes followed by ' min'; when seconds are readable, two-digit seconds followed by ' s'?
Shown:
11 h 53 min 25 s
